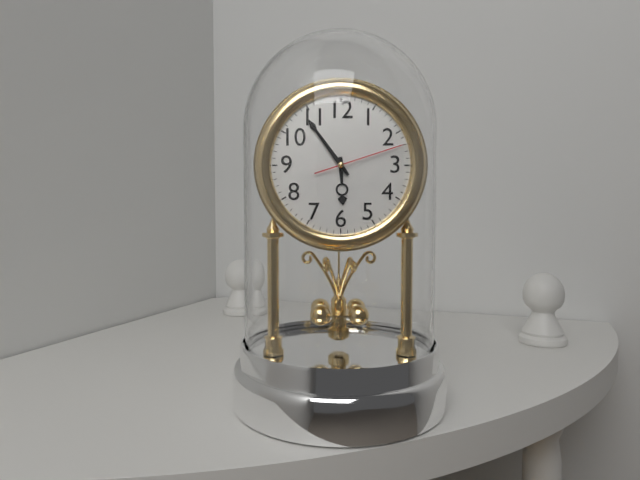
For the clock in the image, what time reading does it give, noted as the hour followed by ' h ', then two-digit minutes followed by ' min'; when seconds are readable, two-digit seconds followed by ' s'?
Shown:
5 h 54 min 12 s
